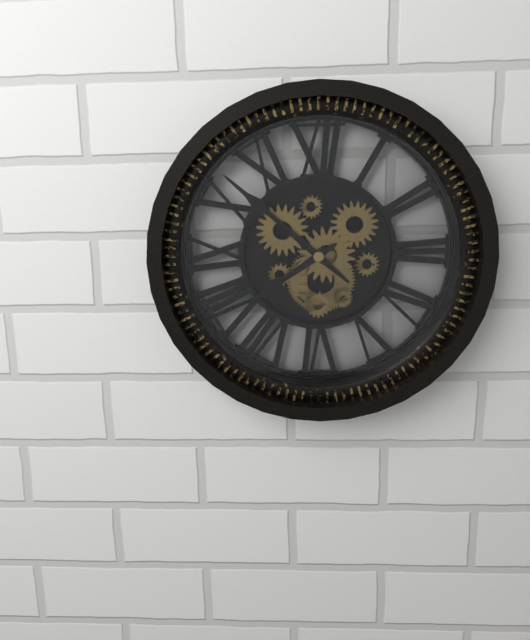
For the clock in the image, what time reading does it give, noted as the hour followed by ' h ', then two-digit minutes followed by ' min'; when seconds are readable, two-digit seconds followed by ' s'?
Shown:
7 h 52 min
